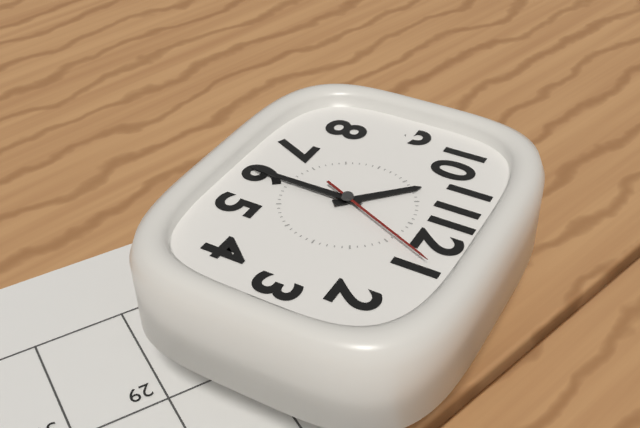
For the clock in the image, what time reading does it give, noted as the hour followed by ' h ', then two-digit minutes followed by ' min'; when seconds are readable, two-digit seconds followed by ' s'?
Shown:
10 h 30 min 04 s
